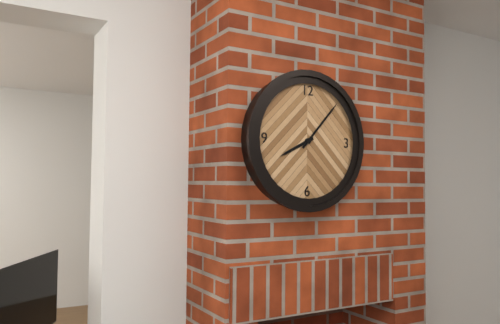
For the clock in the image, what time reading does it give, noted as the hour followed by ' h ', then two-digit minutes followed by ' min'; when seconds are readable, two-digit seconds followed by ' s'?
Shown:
8 h 07 min
